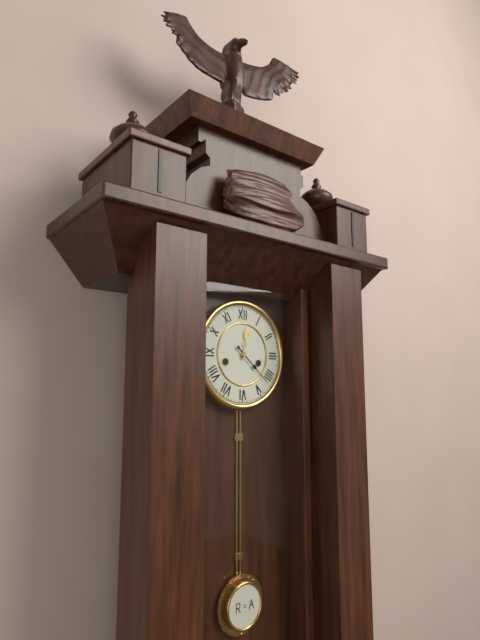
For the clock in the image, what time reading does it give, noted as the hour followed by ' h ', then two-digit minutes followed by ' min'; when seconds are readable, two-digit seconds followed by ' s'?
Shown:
12 h 22 min
